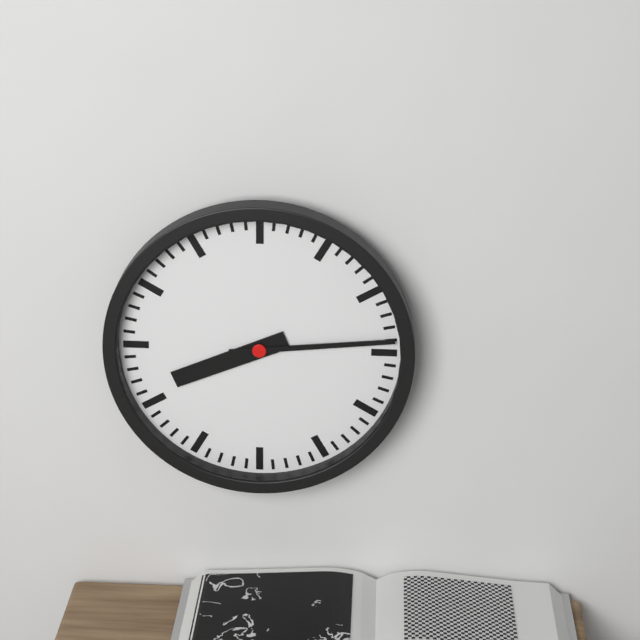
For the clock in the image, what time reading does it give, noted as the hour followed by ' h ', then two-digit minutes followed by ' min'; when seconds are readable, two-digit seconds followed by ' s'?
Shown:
8 h 14 min
